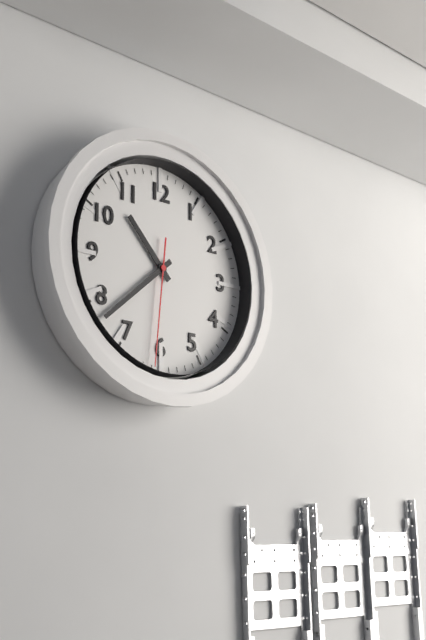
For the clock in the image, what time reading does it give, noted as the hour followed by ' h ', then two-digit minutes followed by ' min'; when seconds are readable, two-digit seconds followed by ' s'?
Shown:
10 h 38 min 31 s
